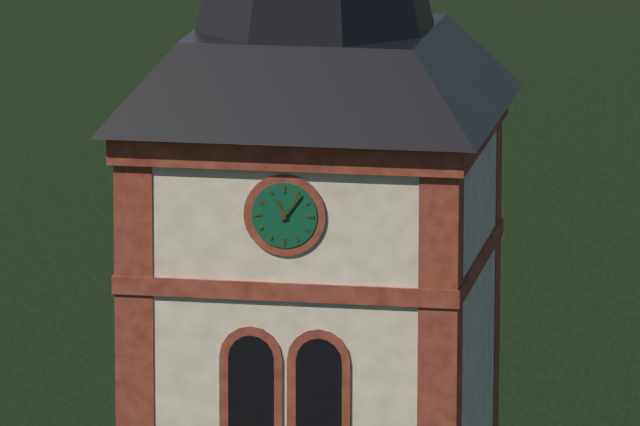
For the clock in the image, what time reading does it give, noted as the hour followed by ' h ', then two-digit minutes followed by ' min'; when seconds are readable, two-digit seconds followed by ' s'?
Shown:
11 h 06 min
